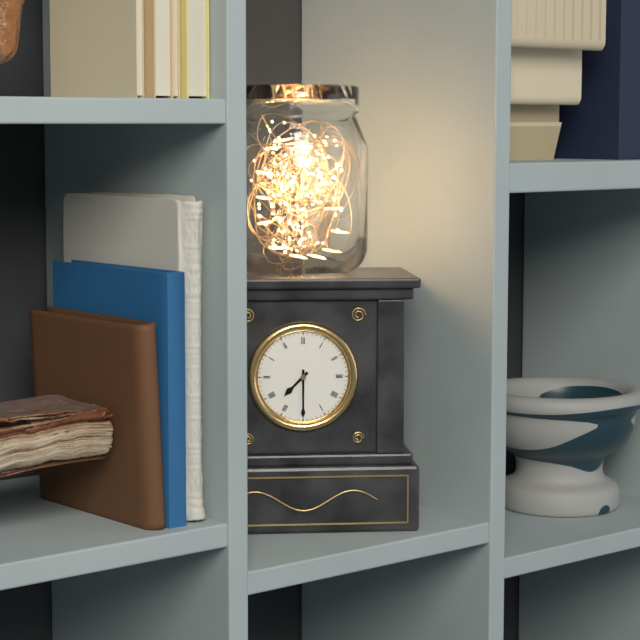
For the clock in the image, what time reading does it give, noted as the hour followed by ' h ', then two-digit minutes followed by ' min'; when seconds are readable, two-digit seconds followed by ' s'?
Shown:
7 h 30 min
